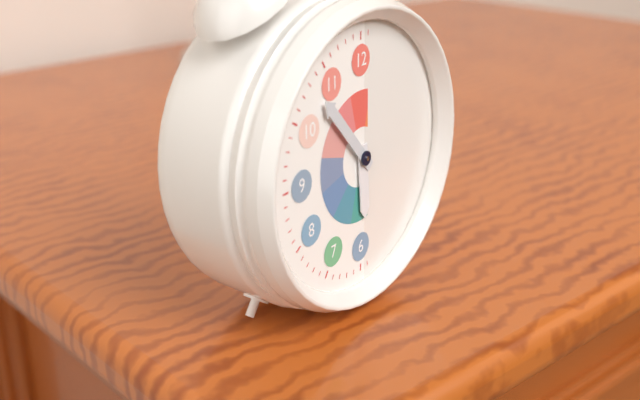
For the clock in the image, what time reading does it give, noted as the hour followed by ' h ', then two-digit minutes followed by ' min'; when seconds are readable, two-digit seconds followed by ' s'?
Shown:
5 h 53 min
